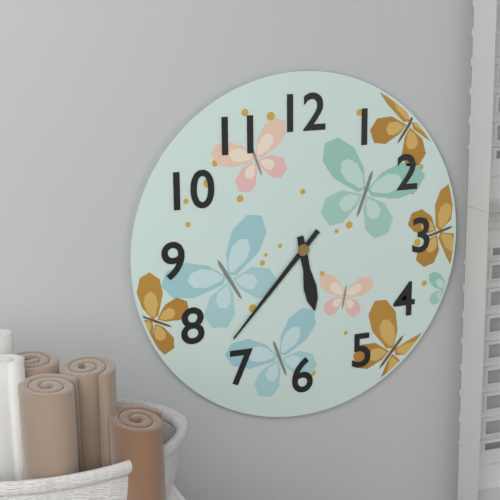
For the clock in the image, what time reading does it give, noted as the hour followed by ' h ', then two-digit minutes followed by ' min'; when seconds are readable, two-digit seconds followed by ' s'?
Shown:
5 h 37 min
